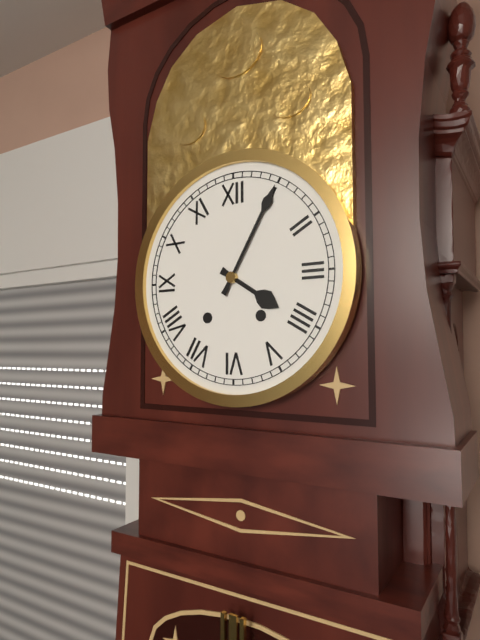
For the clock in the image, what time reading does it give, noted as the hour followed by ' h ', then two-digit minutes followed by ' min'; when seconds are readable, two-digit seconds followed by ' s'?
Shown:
4 h 05 min
